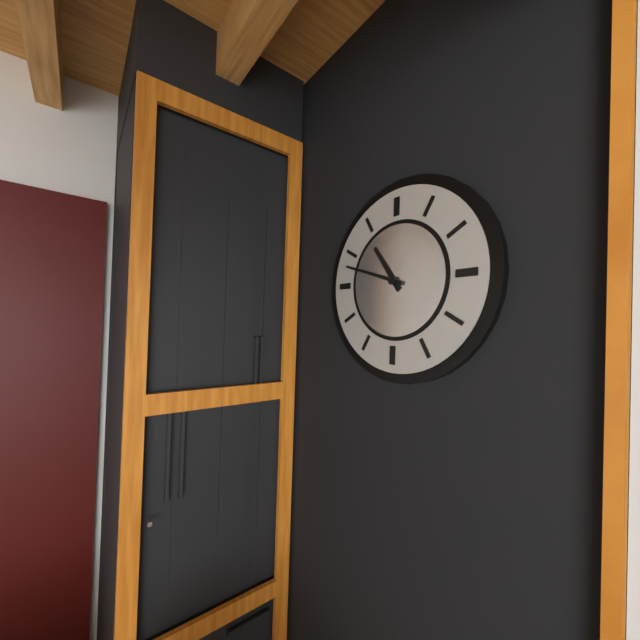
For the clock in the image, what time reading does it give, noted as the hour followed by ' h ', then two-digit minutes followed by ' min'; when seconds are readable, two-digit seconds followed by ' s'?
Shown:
10 h 48 min
